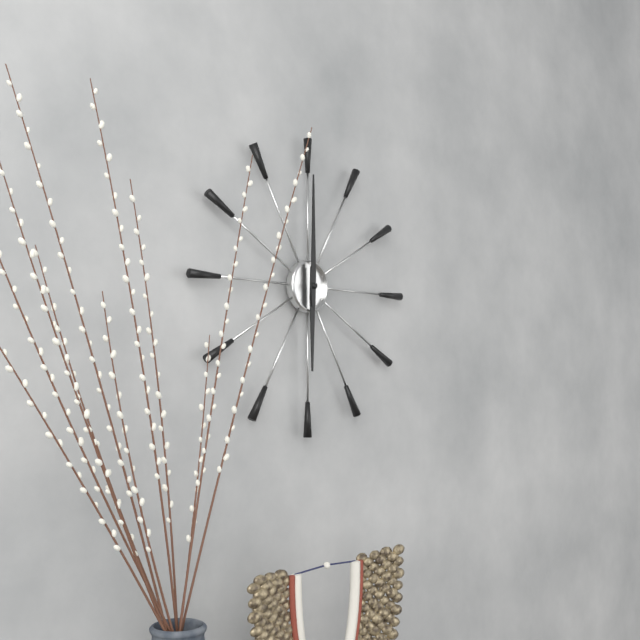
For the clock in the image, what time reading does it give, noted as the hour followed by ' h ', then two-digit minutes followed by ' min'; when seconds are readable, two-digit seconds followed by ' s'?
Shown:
6 h 00 min
